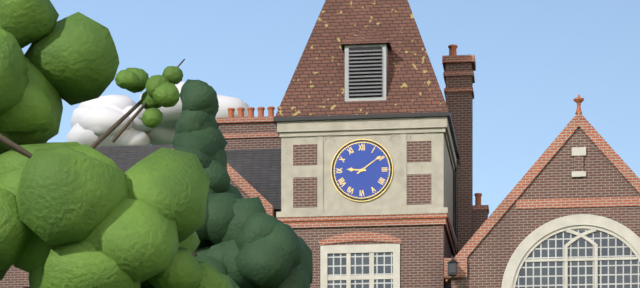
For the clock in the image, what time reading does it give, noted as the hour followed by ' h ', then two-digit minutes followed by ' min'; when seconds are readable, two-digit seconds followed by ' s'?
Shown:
9 h 09 min
